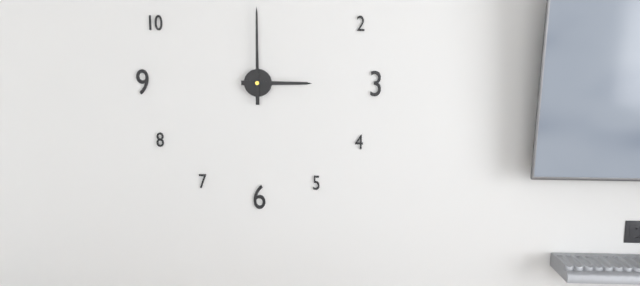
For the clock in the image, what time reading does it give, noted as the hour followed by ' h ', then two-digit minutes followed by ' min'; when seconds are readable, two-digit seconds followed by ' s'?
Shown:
3 h 00 min
